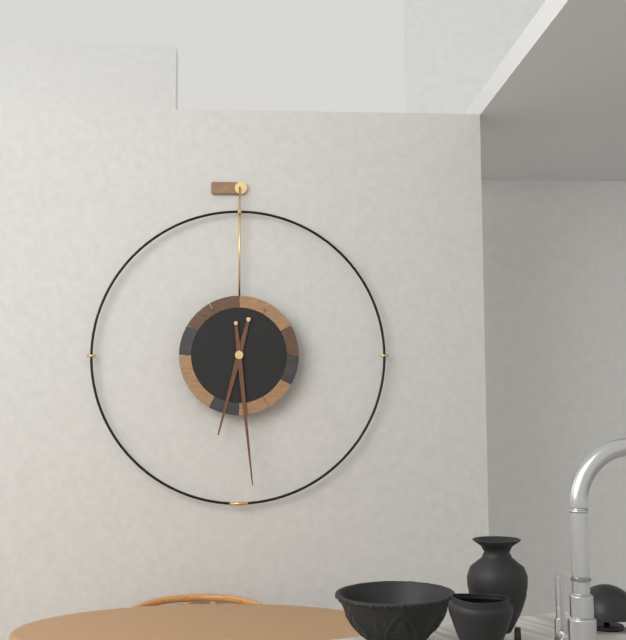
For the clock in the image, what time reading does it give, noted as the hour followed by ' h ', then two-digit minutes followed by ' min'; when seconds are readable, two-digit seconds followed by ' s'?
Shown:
6 h 29 min
